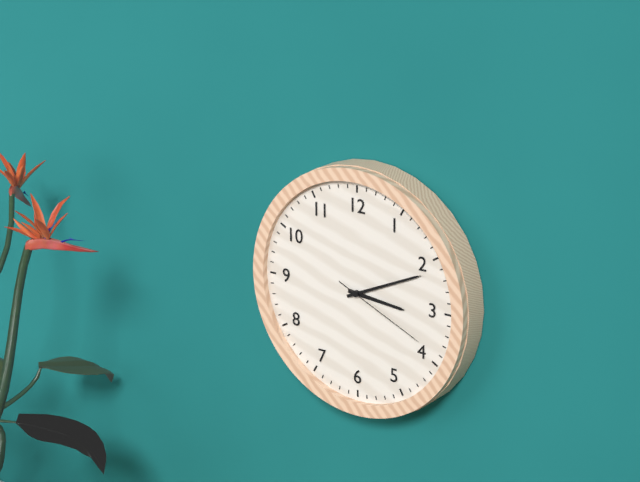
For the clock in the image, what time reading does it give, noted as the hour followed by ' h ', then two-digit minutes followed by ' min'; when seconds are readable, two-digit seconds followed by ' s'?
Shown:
3 h 11 min 19 s
